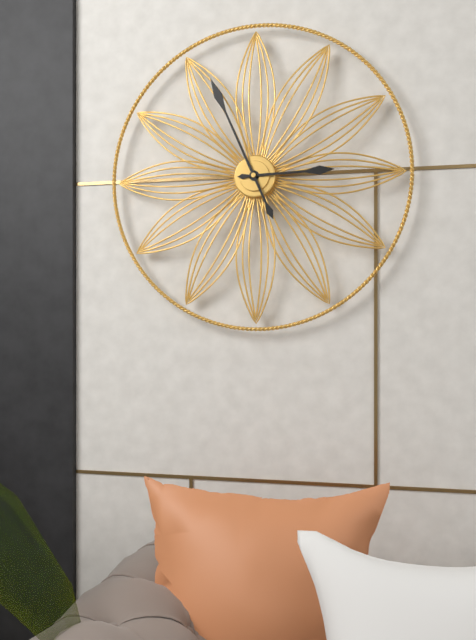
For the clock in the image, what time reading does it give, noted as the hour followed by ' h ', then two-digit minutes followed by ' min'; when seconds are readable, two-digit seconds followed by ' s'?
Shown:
2 h 56 min
